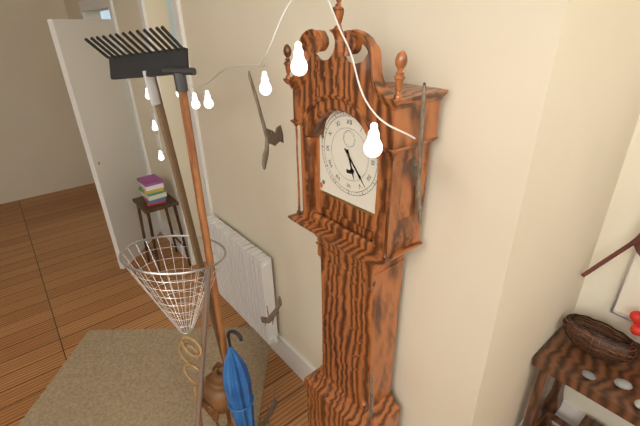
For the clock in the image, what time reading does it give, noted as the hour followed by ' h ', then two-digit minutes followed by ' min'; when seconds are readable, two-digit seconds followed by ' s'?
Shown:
5 h 23 min
